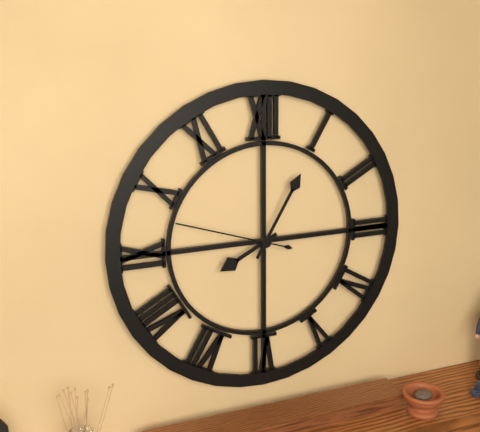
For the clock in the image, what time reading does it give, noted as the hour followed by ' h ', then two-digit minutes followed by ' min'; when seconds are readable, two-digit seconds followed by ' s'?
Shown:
8 h 05 min 48 s
